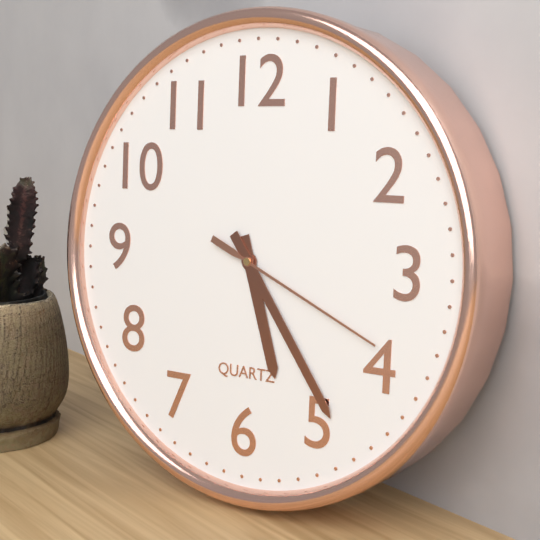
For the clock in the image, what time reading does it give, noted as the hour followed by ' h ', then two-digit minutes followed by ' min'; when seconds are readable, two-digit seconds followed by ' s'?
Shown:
5 h 24 min 19 s
